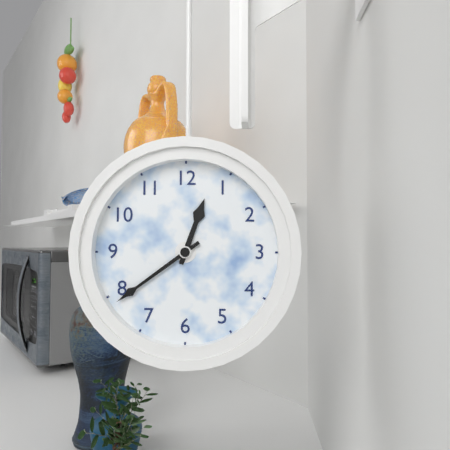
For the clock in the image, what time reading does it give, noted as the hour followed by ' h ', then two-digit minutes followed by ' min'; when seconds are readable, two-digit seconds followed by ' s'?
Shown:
12 h 39 min
